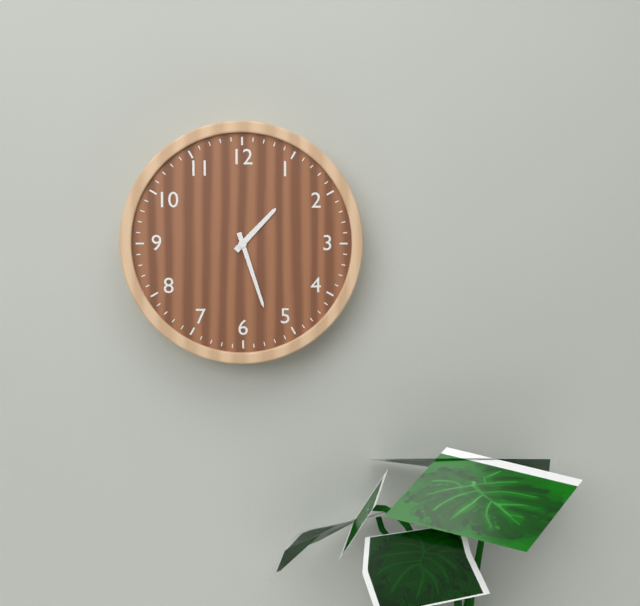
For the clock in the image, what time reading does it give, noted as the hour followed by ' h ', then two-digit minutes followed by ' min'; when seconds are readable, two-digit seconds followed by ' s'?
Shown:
1 h 27 min
